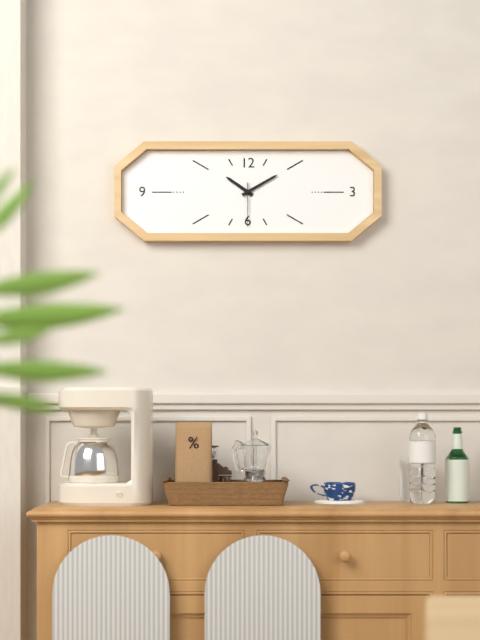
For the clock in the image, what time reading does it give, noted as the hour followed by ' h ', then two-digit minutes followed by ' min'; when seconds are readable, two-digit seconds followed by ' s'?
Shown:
10 h 10 min
